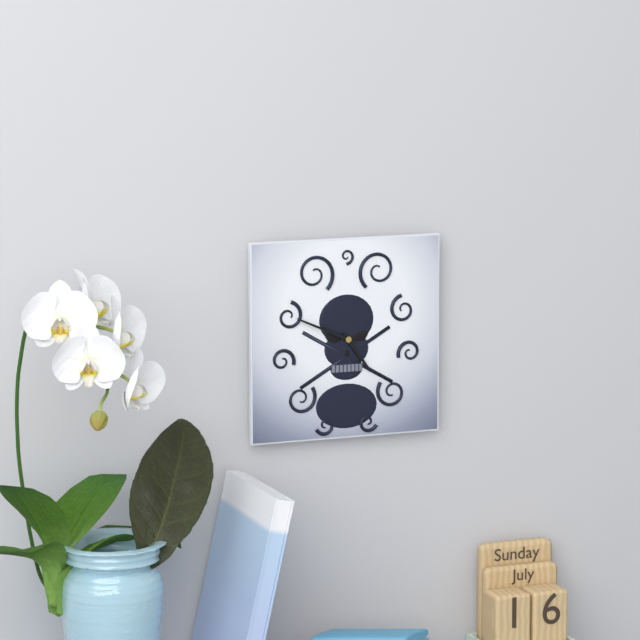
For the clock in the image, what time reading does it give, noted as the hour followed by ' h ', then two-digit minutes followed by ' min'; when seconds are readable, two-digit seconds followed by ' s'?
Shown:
4 h 49 min
